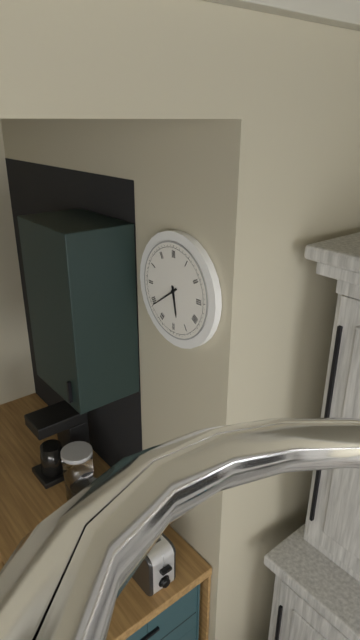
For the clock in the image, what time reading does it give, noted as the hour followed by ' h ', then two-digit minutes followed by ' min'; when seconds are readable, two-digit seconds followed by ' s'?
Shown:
5 h 39 min
